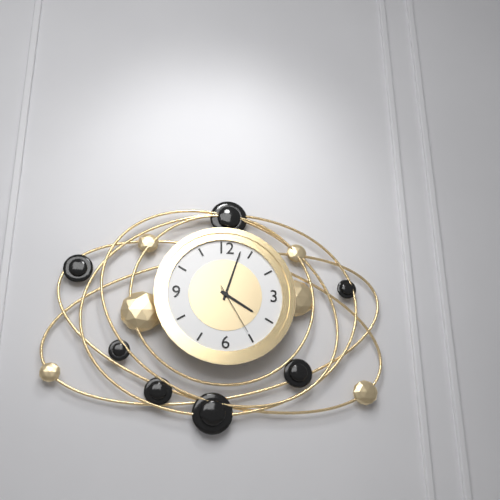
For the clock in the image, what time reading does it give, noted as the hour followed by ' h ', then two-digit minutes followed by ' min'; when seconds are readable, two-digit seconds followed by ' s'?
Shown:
4 h 03 min 25 s
